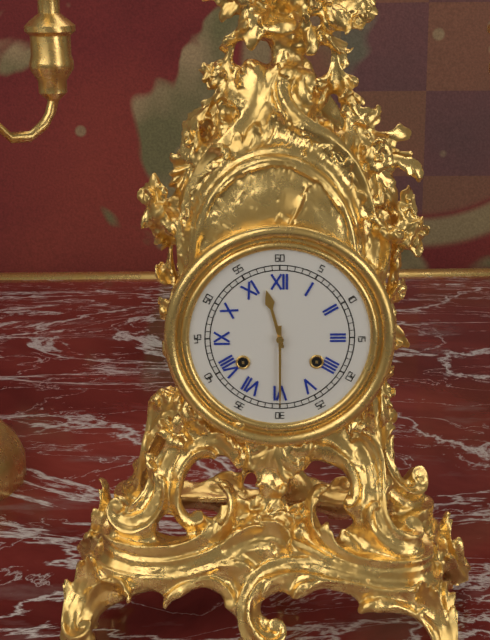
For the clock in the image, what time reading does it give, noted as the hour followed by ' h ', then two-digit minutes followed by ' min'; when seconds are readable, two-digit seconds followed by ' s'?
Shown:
11 h 30 min
